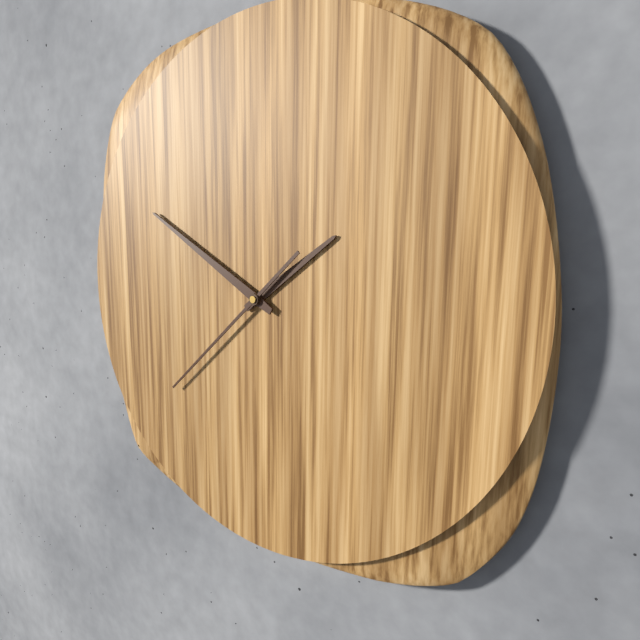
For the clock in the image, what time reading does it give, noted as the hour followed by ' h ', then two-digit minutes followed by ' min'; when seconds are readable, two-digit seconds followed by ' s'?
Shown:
1 h 50 min 38 s
